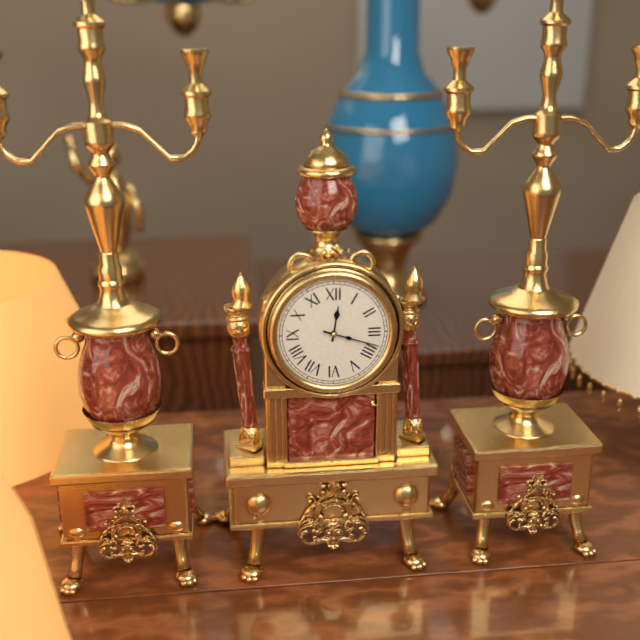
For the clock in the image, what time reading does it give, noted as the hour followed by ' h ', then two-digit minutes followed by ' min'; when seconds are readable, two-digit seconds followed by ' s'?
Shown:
12 h 18 min
